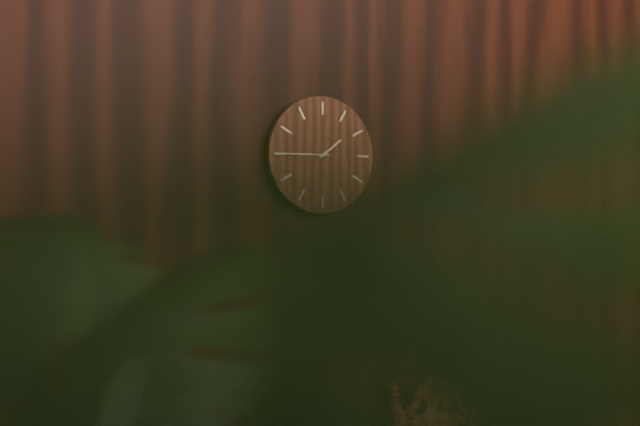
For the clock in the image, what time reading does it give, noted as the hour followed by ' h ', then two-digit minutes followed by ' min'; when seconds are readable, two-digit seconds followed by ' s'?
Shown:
1 h 45 min
